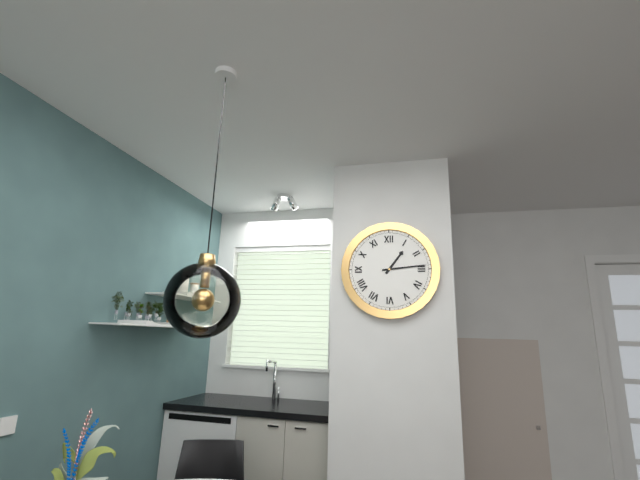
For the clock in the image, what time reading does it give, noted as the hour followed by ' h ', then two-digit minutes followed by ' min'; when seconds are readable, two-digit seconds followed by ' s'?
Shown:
1 h 14 min
